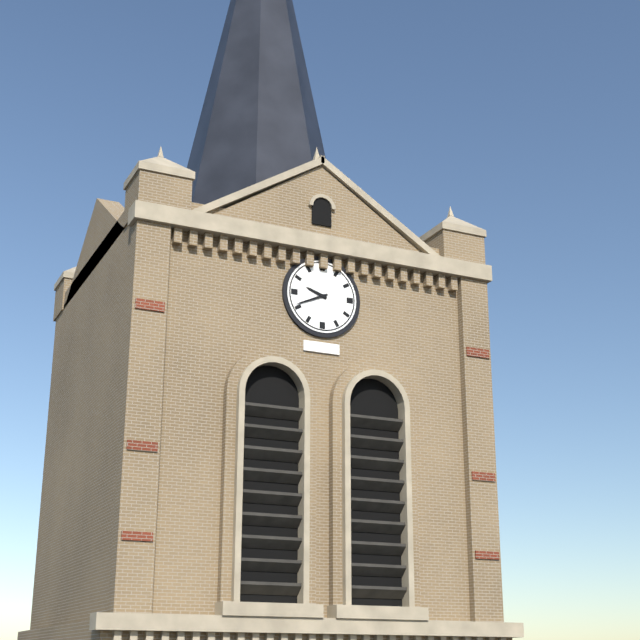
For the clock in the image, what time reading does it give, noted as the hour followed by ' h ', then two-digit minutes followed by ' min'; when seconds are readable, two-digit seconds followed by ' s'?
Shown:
9 h 41 min
